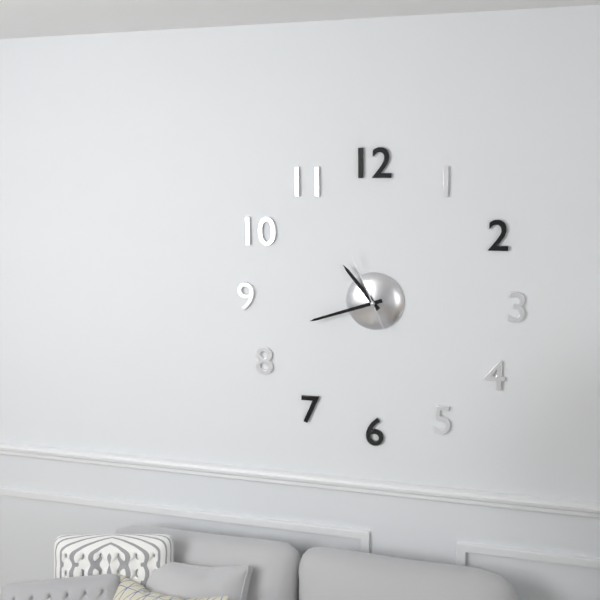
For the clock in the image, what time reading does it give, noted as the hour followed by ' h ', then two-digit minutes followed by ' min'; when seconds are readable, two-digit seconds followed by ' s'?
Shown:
10 h 42 min 56 s
